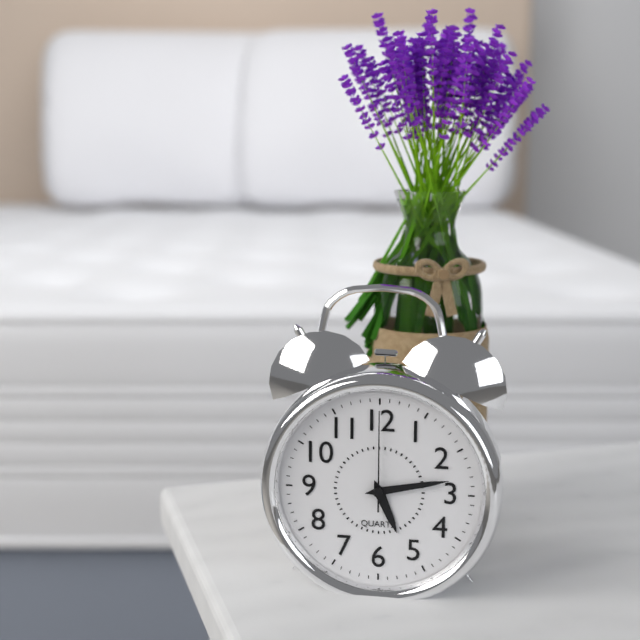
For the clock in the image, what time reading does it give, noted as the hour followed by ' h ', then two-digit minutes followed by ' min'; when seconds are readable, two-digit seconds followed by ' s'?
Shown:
5 h 13 min 00 s
